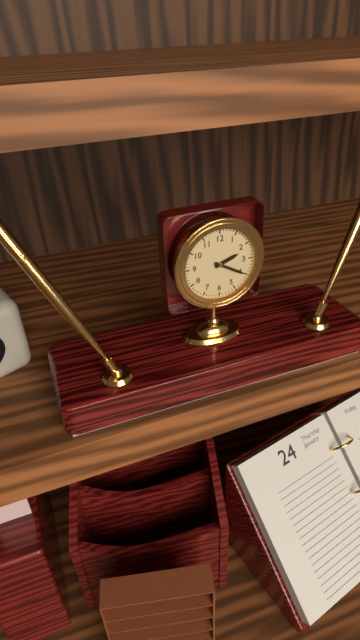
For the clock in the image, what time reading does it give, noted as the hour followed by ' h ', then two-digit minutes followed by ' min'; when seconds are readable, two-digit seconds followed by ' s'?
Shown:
2 h 20 min
